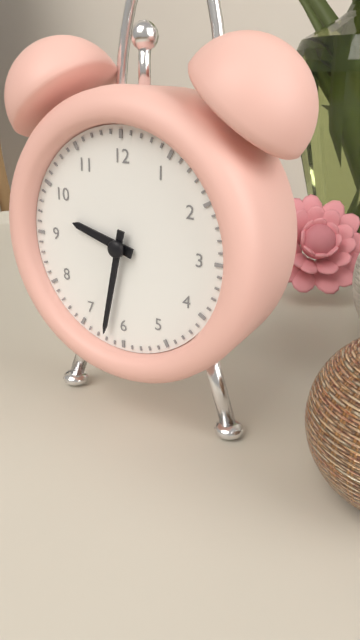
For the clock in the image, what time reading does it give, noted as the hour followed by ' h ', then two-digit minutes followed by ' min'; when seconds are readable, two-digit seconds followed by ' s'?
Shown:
9 h 32 min
